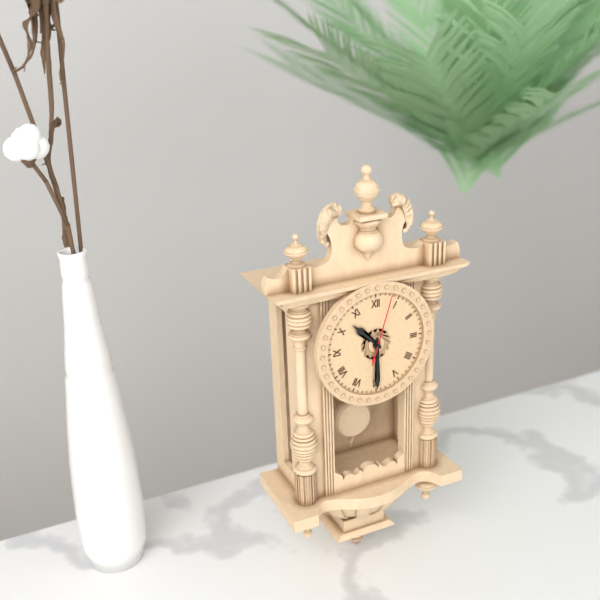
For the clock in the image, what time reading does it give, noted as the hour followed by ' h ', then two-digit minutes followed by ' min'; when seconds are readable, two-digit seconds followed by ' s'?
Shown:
10 h 30 min 03 s
